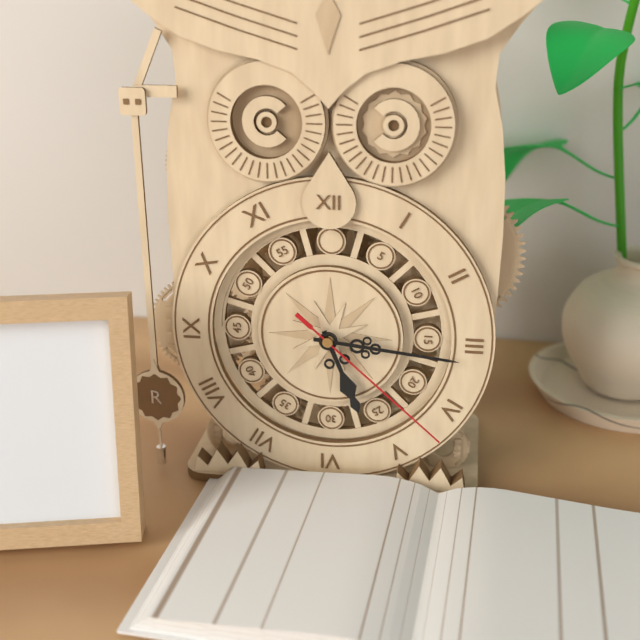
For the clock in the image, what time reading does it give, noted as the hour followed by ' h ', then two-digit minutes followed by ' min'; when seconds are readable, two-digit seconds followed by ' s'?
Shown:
5 h 16 min 22 s
